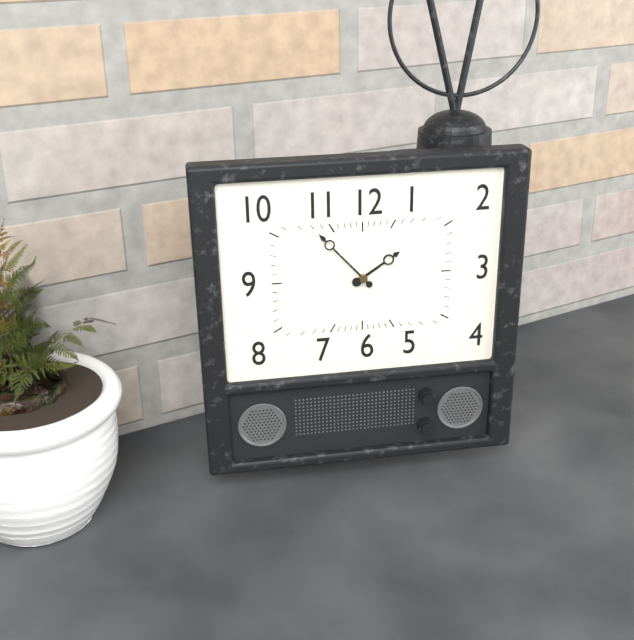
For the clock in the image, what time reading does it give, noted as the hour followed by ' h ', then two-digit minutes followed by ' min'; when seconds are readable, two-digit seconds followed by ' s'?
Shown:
1 h 53 min
